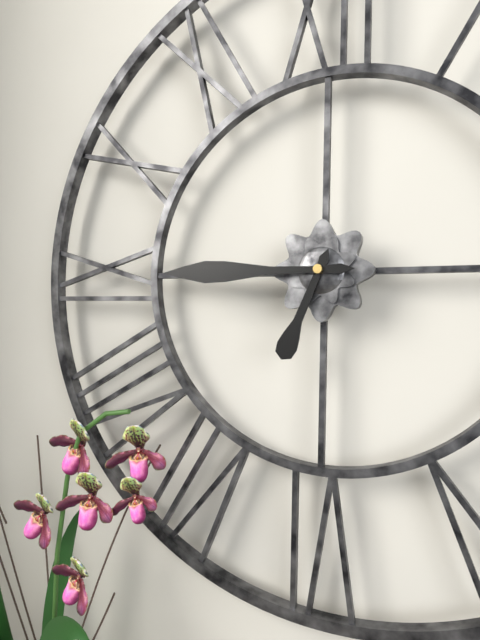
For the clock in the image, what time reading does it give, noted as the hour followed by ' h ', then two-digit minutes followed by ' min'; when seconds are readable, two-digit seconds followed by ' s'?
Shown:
6 h 45 min
